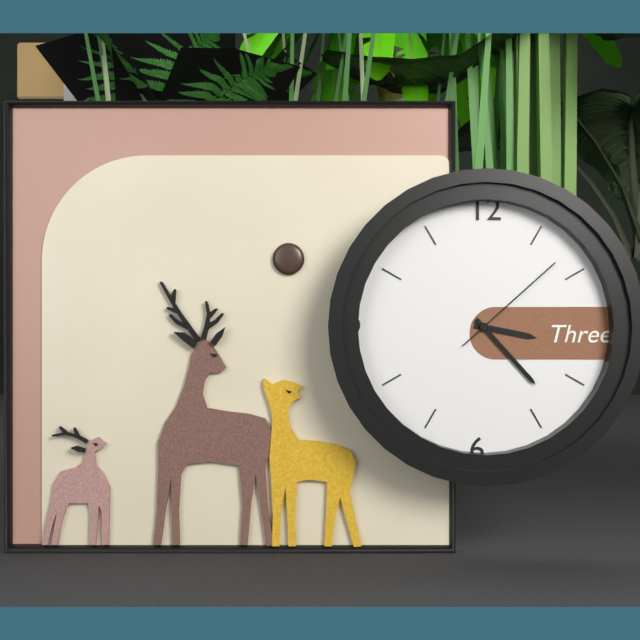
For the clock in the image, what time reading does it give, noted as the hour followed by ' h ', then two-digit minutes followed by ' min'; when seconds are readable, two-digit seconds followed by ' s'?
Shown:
3 h 23 min 08 s
